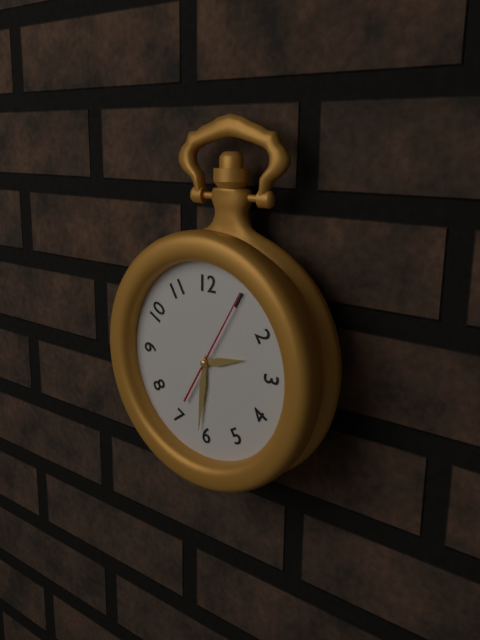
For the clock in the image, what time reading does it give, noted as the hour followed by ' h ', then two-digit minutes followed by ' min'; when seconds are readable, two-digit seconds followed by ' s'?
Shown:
2 h 31 min 05 s
